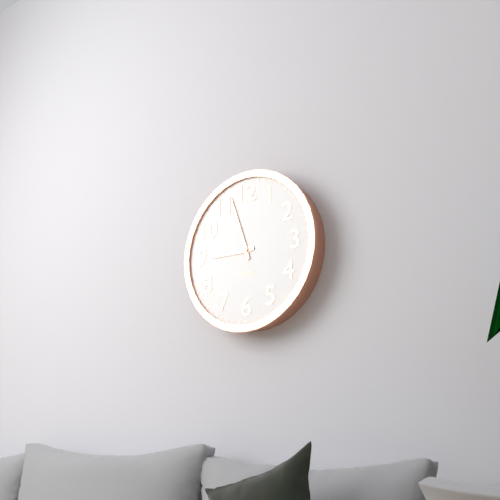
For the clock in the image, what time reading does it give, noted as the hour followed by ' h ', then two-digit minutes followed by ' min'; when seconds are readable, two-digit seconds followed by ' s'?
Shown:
8 h 57 min
